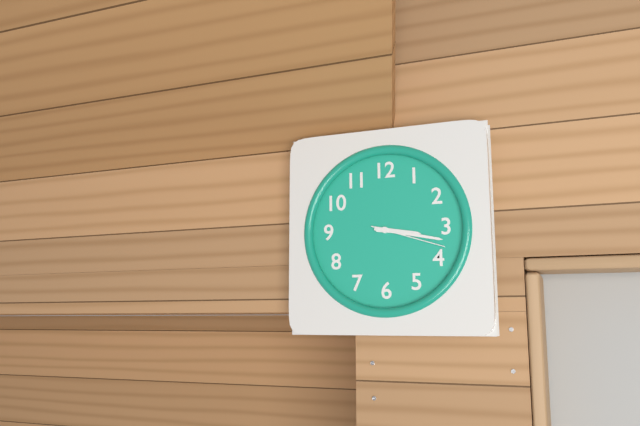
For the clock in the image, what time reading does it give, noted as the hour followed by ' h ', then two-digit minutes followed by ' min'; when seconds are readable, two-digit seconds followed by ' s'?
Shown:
3 h 17 min 18 s
